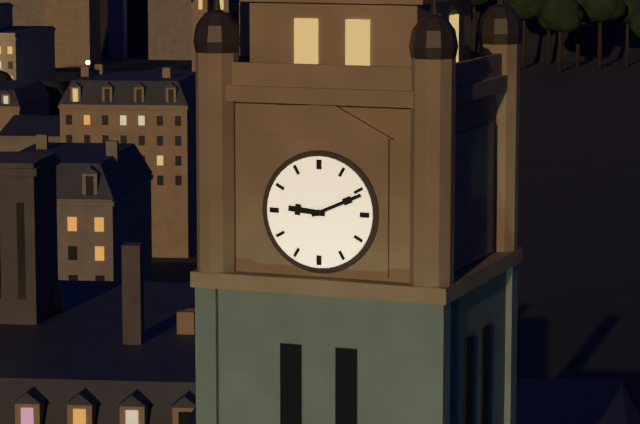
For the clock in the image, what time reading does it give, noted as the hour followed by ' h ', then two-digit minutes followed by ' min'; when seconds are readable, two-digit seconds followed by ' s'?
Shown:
9 h 11 min
